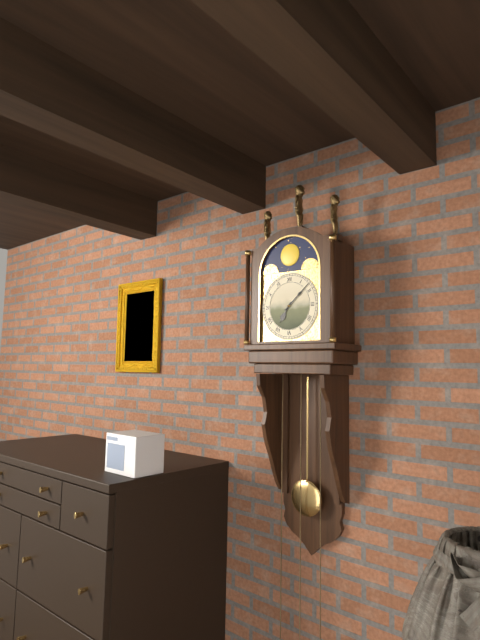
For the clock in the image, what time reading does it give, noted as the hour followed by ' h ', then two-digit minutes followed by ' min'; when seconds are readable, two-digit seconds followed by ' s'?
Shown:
7 h 08 min
